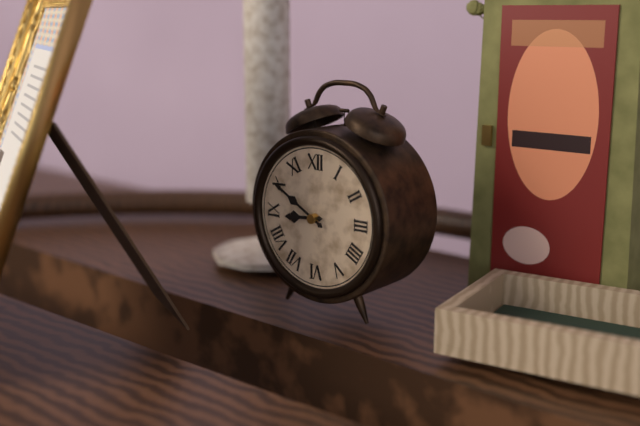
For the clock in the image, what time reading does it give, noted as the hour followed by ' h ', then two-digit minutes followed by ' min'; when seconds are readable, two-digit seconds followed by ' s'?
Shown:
8 h 50 min
